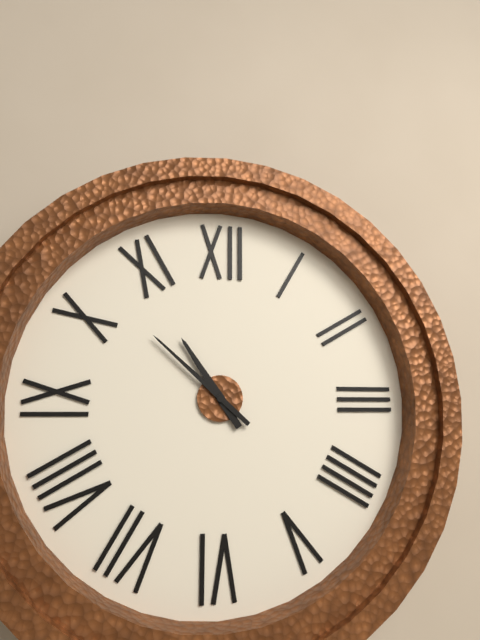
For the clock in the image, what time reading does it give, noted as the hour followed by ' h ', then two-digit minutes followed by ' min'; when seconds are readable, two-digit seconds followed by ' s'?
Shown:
10 h 52 min
